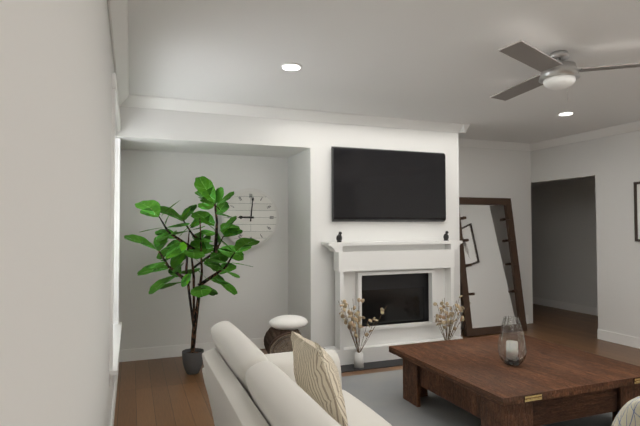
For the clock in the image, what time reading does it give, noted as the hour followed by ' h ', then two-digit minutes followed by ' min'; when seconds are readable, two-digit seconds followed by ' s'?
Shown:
9 h 01 min
